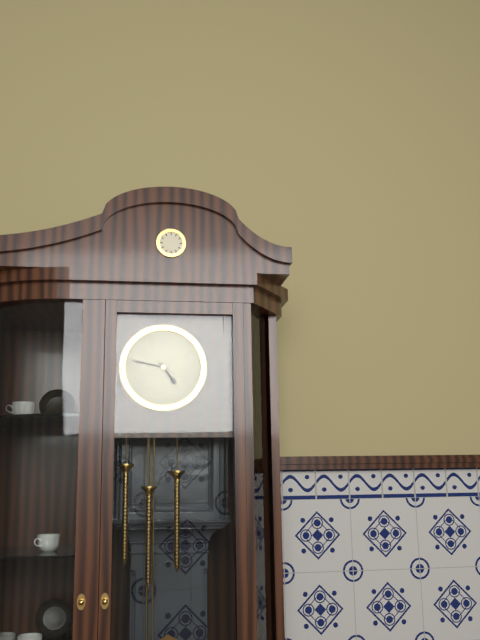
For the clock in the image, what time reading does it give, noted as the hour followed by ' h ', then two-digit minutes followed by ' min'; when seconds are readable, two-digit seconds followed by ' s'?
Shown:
4 h 47 min
